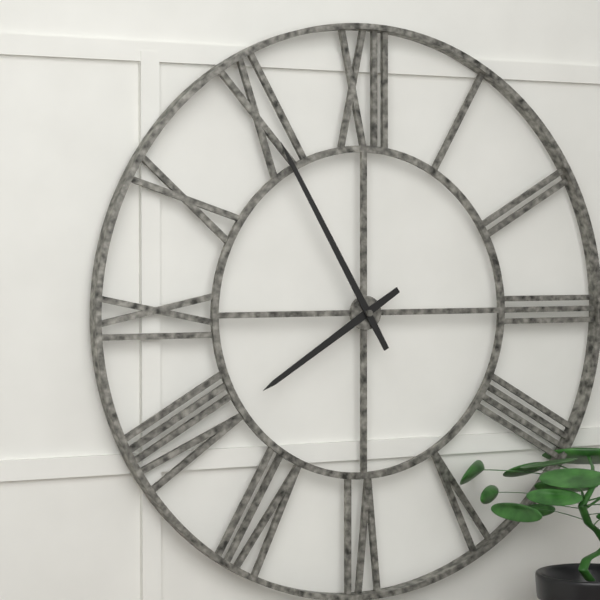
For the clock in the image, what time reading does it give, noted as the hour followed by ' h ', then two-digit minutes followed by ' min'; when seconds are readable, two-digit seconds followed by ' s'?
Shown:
7 h 55 min
